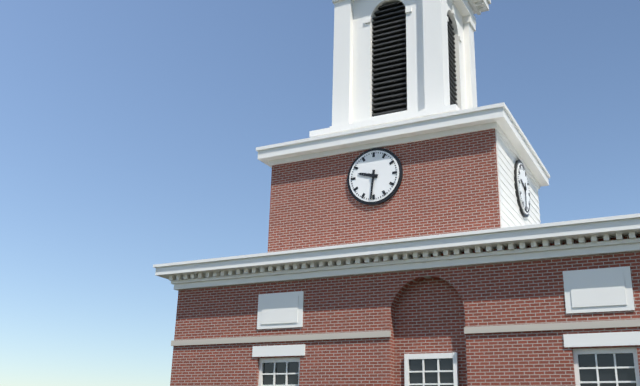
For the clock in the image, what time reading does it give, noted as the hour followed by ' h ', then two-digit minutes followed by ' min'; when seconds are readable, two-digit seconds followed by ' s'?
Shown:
9 h 31 min
